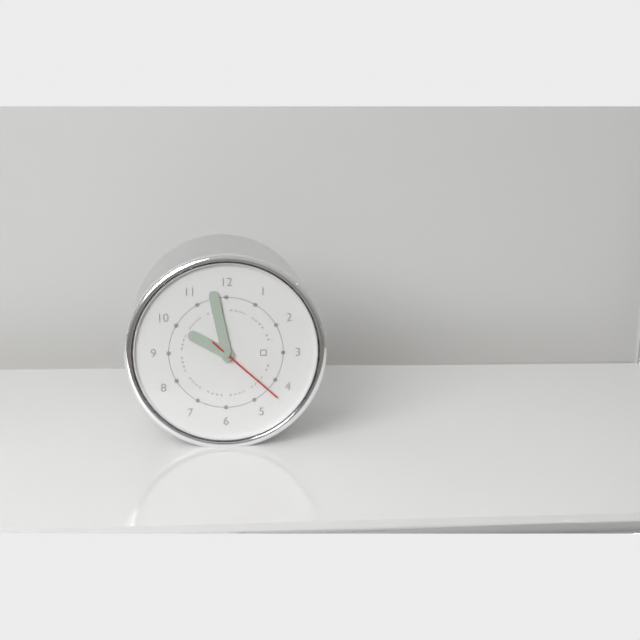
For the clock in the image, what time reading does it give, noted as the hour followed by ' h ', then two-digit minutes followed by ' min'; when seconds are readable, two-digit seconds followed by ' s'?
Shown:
9 h 58 min 22 s
